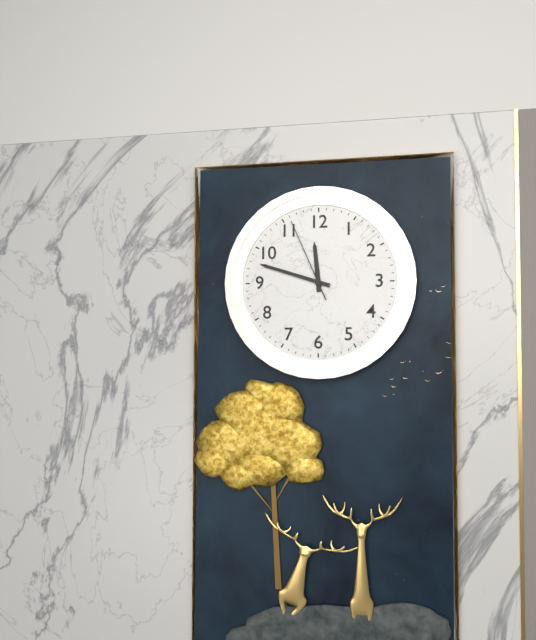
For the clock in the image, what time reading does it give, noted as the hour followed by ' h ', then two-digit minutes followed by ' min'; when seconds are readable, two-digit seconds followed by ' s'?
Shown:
11 h 48 min 56 s
